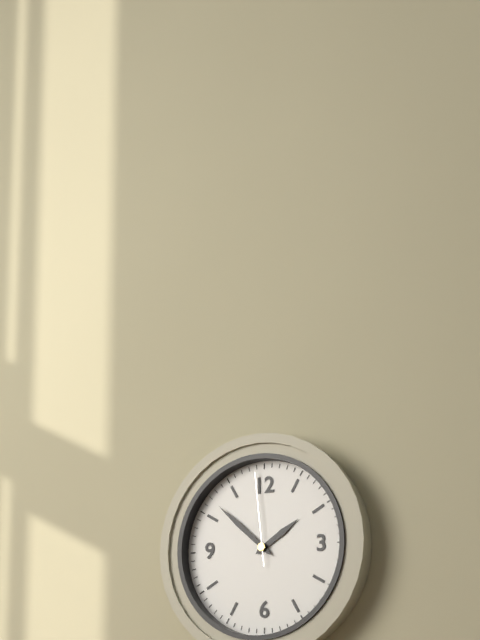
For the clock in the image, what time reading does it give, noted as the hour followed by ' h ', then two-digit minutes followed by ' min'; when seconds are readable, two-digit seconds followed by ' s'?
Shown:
1 h 52 min 59 s
